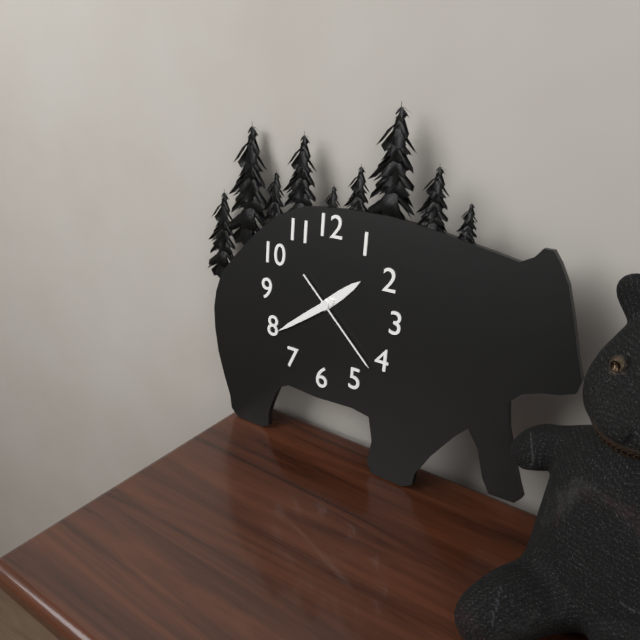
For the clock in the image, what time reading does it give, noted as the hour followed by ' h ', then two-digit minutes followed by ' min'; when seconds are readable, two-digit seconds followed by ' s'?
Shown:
1 h 39 min 22 s
